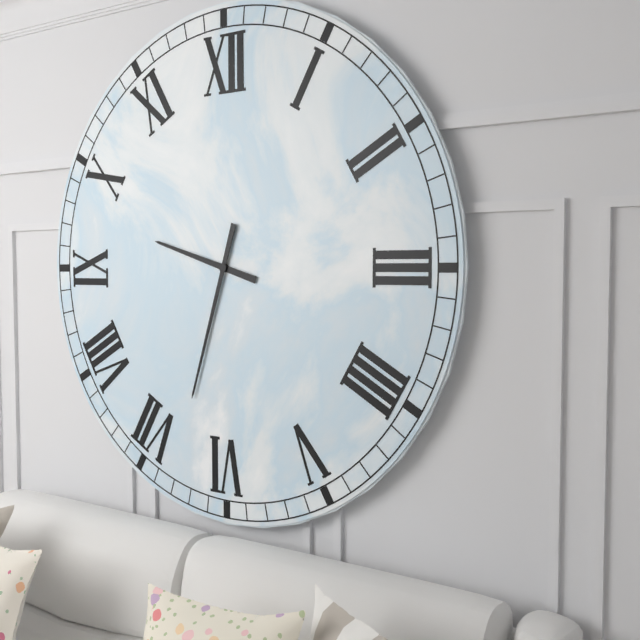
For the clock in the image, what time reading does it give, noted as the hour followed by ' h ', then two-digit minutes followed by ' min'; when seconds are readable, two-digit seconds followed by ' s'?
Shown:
9 h 33 min
